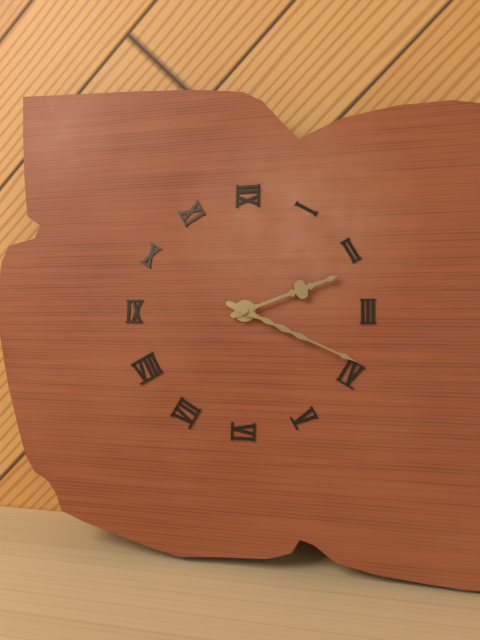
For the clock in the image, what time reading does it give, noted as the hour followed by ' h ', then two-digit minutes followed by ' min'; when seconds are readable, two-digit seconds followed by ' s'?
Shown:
2 h 19 min
